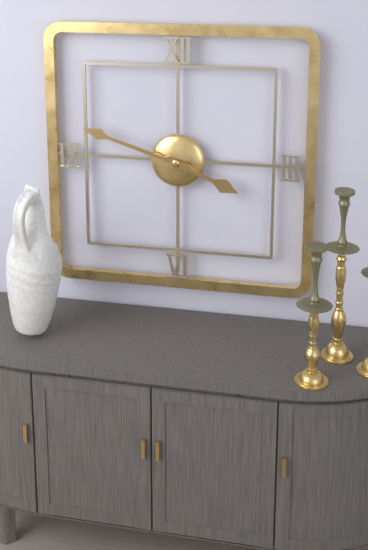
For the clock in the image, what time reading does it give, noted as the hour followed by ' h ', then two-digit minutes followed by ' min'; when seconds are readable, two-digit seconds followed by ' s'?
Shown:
3 h 48 min
